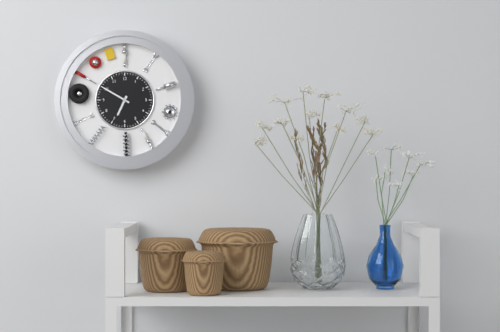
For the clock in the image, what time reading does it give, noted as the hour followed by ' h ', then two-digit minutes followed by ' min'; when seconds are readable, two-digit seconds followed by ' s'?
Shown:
6 h 50 min
